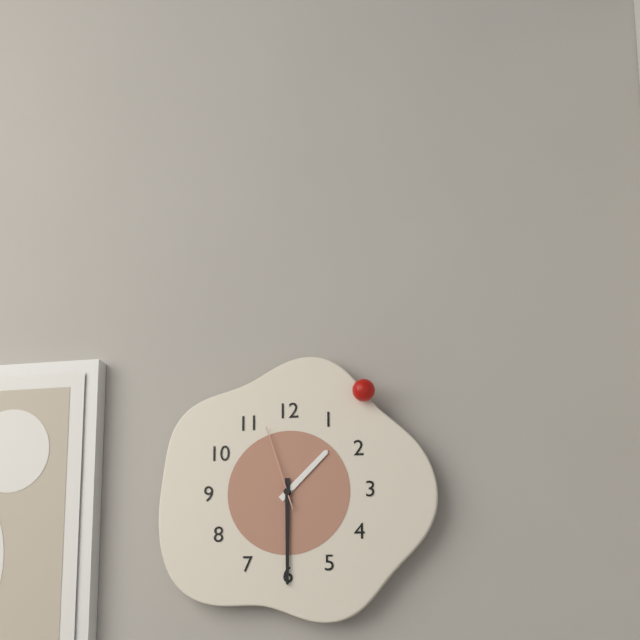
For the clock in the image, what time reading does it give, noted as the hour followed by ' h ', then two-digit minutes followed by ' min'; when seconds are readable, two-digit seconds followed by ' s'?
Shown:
1 h 30 min 57 s
